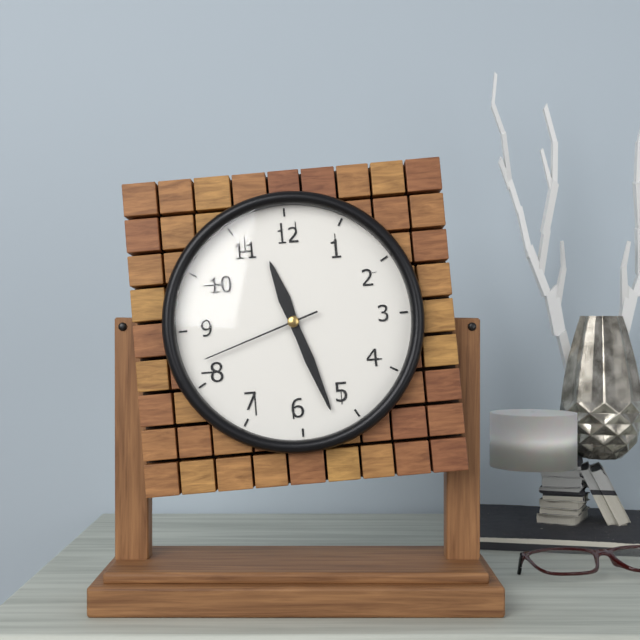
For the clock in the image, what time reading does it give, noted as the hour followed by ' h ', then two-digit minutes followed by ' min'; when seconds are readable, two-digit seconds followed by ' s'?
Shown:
11 h 27 min 42 s
